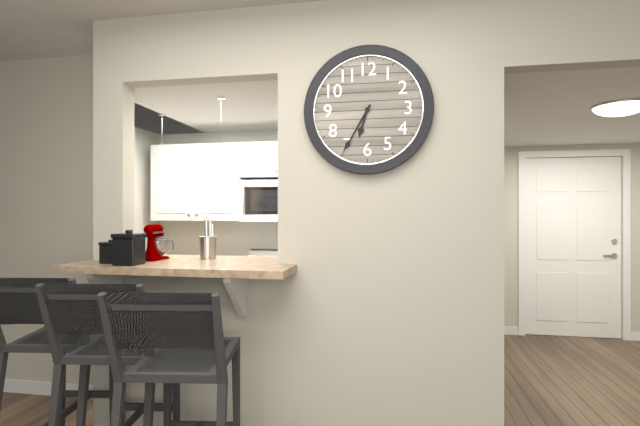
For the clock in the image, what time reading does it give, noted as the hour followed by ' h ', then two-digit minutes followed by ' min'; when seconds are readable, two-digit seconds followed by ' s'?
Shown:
6 h 35 min
